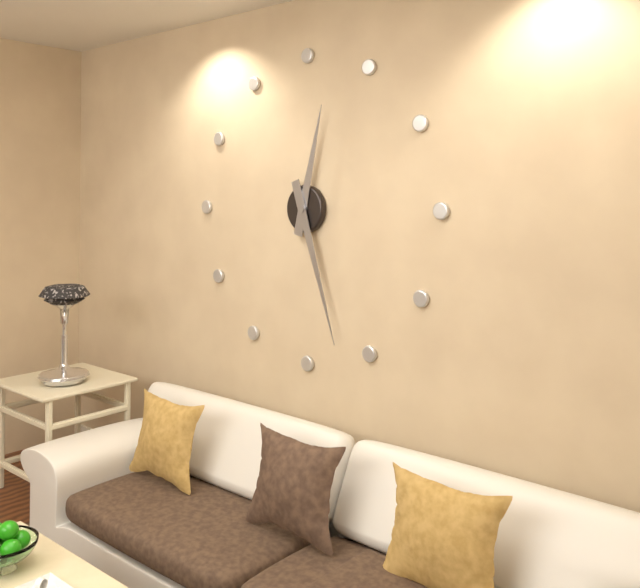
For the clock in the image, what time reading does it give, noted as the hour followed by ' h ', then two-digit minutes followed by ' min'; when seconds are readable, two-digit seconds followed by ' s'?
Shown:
12 h 27 min
